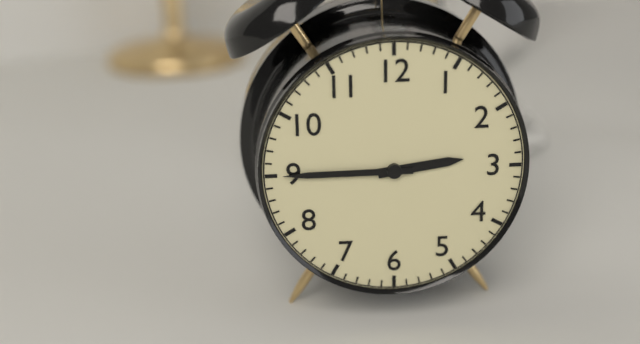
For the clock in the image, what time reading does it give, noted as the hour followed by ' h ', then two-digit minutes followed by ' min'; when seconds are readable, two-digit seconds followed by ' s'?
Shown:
2 h 45 min
